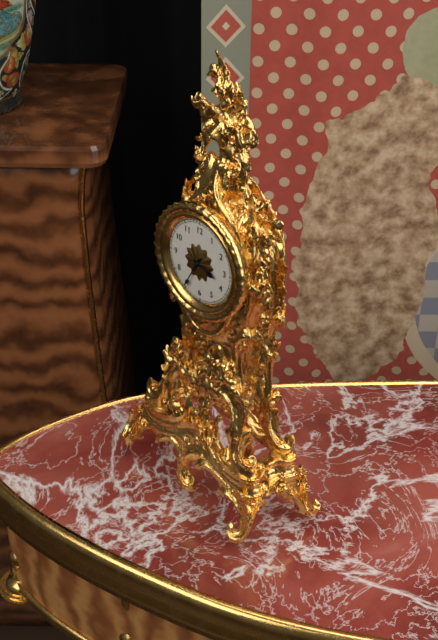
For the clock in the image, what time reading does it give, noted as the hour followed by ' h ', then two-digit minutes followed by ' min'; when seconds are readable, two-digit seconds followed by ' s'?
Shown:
3 h 35 min
